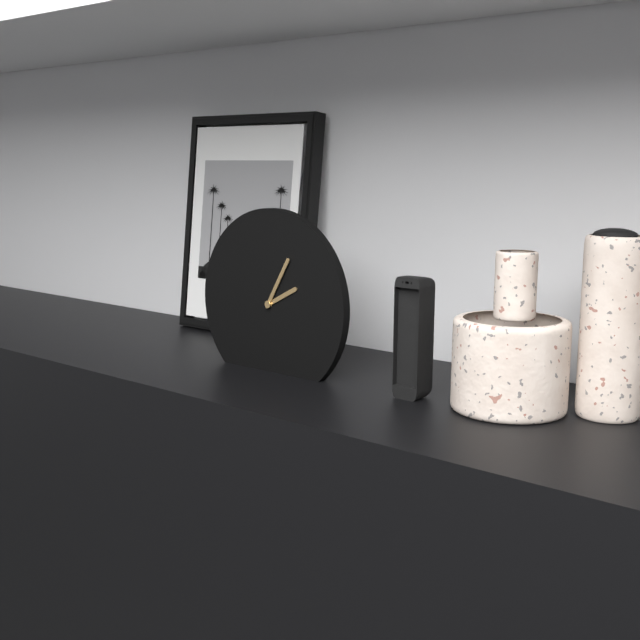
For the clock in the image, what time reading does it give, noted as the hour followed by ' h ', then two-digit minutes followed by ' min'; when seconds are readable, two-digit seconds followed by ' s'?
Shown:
2 h 05 min
